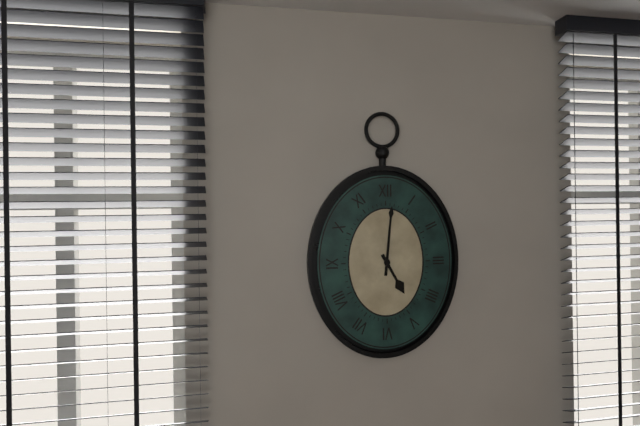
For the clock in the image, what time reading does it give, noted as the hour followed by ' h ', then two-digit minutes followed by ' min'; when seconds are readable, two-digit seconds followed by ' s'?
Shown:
5 h 01 min
